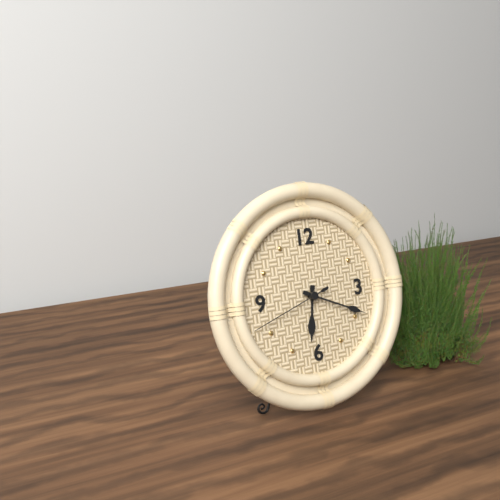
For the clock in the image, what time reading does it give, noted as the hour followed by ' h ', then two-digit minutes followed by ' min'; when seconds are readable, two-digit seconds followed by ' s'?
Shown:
6 h 19 min 42 s
